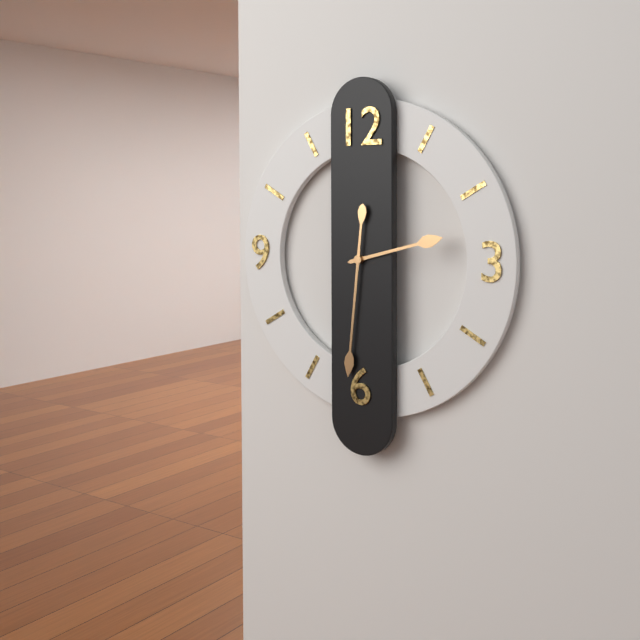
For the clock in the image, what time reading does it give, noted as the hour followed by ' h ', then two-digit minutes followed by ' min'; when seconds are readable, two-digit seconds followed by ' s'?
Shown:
2 h 31 min
